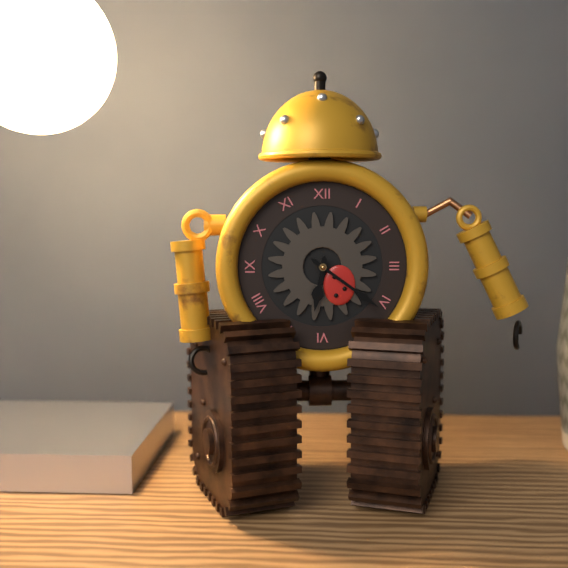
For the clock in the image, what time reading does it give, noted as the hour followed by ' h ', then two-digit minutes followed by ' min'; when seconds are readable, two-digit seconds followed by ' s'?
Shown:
6 h 21 min
